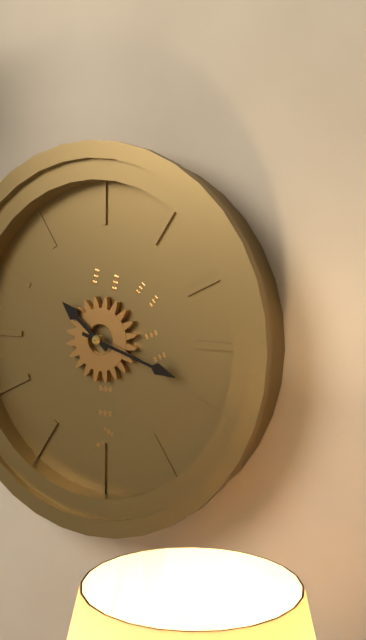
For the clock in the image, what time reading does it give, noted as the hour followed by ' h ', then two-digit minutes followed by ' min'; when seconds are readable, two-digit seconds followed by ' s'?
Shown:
10 h 18 min
